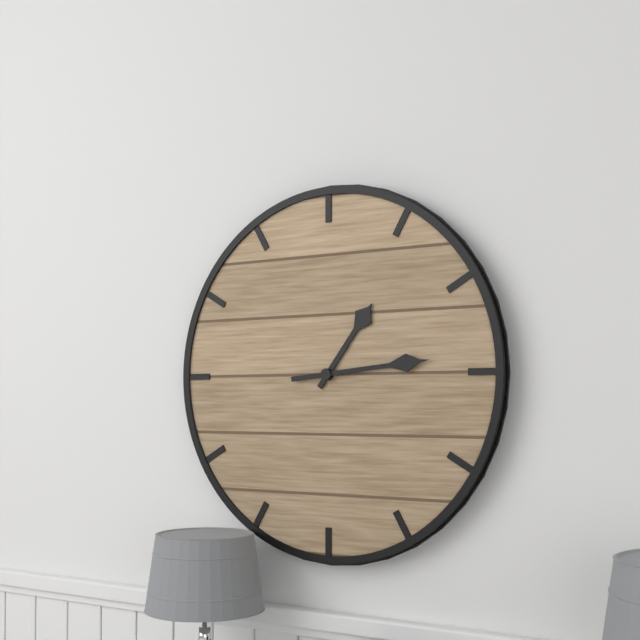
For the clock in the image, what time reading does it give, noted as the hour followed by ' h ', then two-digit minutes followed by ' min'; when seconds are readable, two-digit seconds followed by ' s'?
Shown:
1 h 14 min
